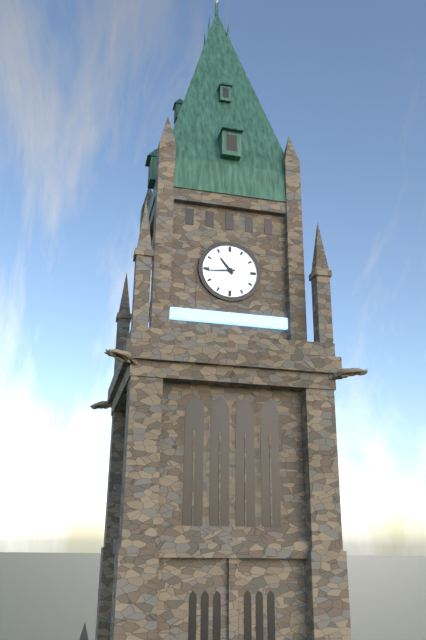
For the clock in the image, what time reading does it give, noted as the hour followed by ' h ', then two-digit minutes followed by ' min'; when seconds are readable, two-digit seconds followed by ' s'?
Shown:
10 h 44 min
